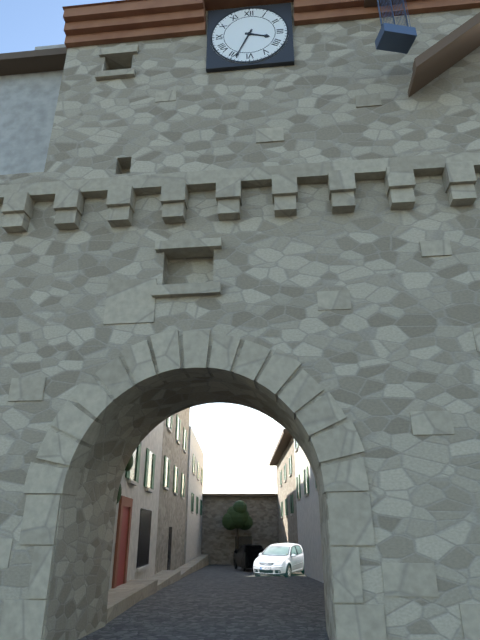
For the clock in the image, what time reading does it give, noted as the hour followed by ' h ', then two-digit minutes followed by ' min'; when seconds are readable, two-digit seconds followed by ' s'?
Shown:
3 h 34 min
